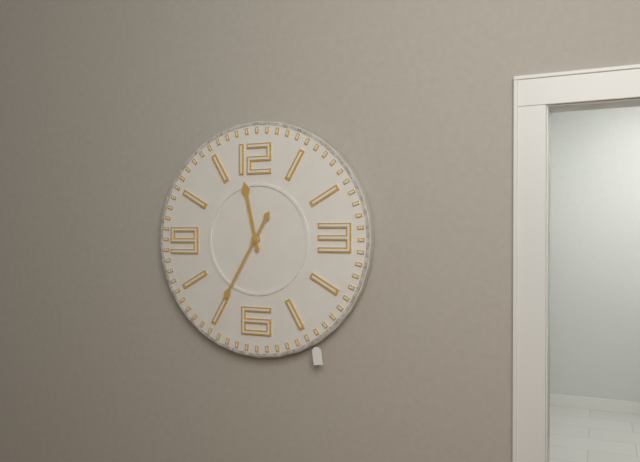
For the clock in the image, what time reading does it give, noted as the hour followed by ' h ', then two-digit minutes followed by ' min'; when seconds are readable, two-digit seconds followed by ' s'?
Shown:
11 h 35 min
